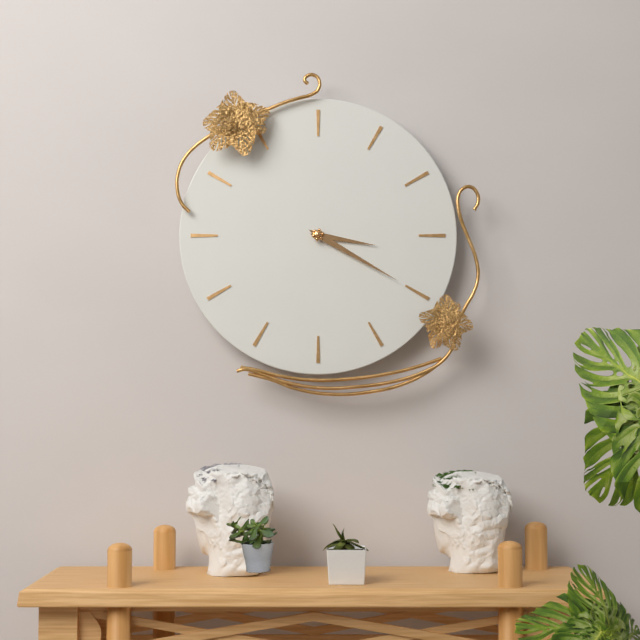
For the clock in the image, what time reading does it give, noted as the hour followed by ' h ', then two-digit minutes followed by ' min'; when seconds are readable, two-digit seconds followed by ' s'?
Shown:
3 h 20 min
